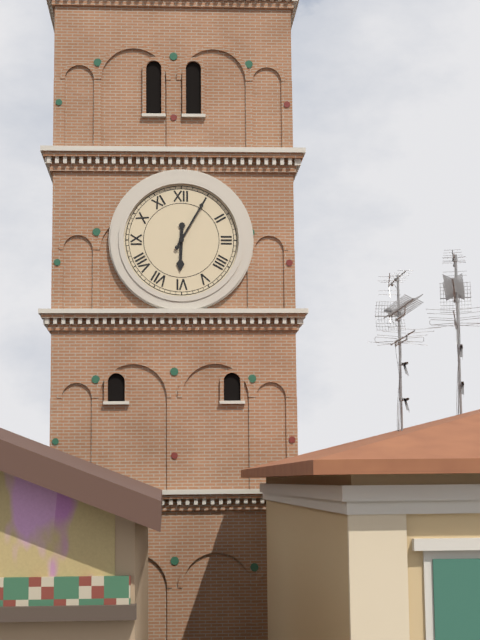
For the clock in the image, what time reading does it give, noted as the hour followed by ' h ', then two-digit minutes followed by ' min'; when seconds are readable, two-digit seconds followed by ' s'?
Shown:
6 h 05 min
